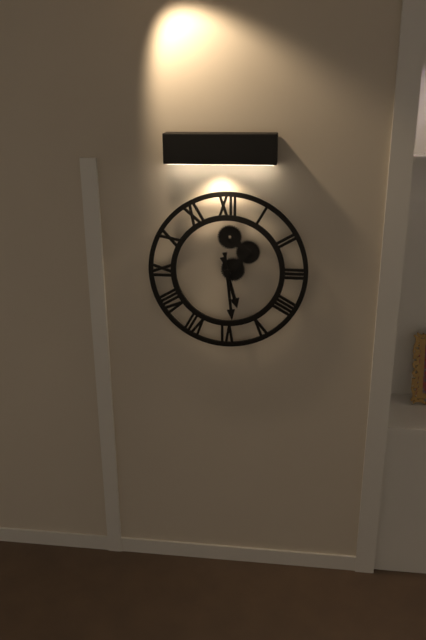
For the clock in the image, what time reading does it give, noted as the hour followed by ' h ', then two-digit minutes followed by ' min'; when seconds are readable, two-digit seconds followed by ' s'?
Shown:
5 h 29 min
